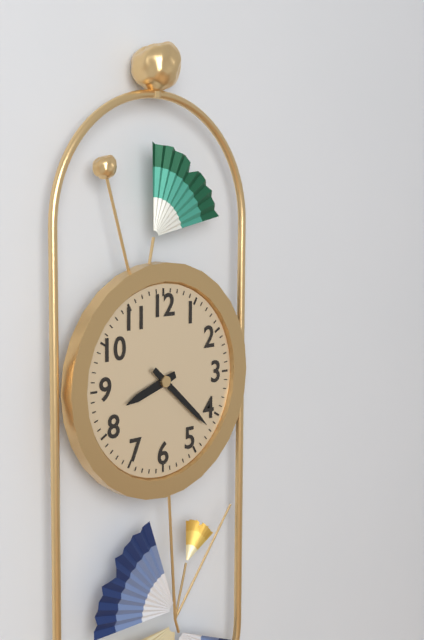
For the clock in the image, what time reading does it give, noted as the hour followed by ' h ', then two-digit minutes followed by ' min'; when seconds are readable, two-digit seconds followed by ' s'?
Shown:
8 h 22 min
